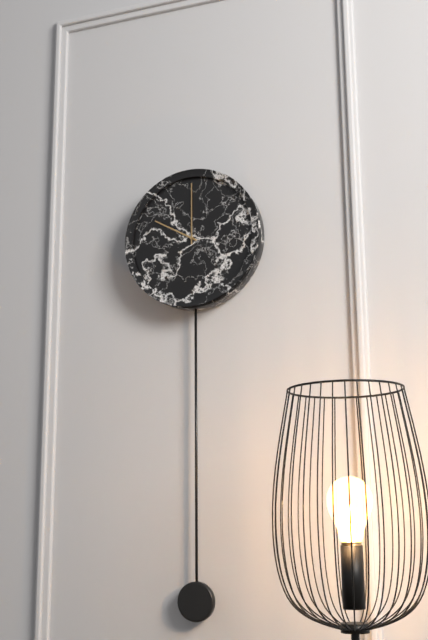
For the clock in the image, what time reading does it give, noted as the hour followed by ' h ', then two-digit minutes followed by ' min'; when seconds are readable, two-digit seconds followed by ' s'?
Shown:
10 h 00 min
